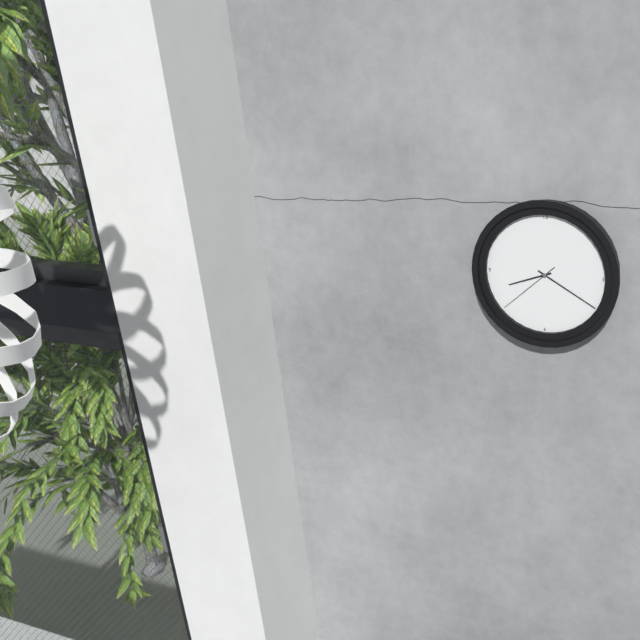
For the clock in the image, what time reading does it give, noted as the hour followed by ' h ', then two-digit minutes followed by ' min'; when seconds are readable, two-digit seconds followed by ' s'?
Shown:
8 h 20 min 38 s
